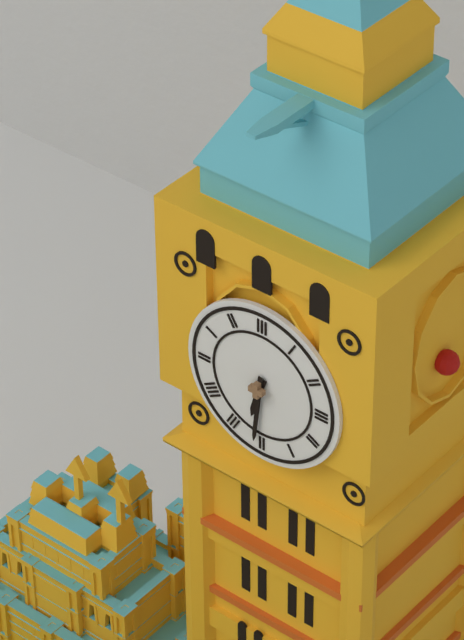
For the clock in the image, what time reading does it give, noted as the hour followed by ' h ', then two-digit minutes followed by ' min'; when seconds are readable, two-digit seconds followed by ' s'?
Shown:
6 h 31 min
